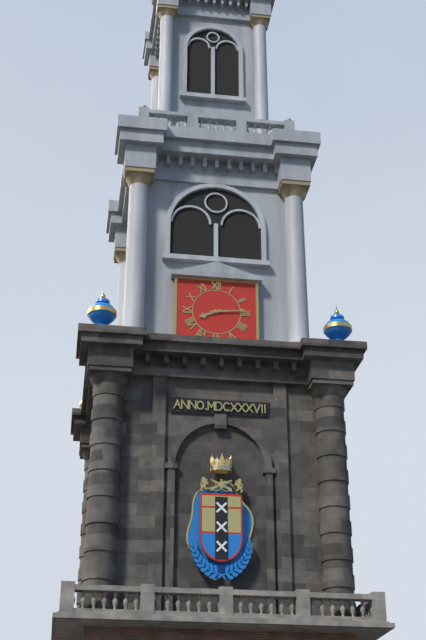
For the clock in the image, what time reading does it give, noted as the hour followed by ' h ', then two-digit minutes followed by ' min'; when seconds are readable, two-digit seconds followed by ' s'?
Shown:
8 h 14 min
